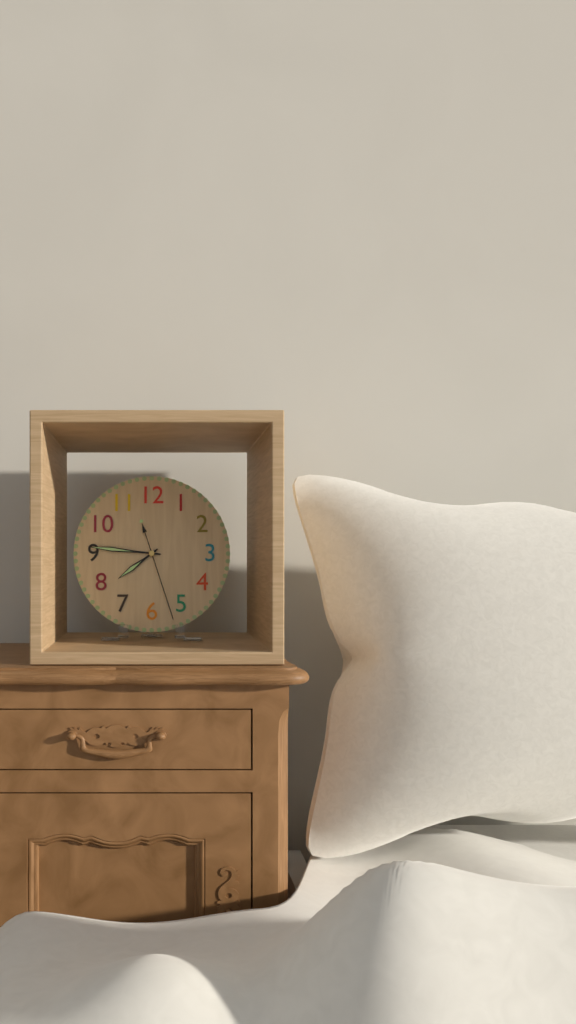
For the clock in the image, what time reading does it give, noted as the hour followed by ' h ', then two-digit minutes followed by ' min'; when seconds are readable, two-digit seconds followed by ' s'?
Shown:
7 h 46 min 27 s
